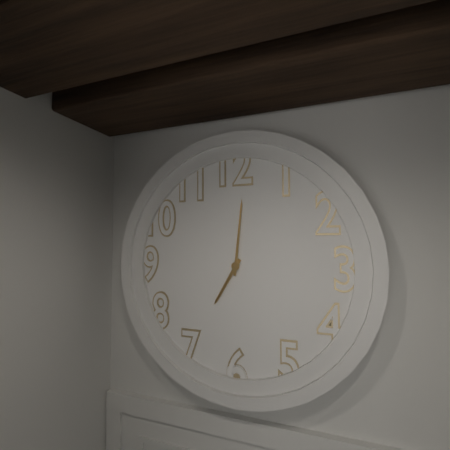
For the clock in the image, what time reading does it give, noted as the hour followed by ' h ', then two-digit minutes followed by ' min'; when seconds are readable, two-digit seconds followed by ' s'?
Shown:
7 h 01 min
